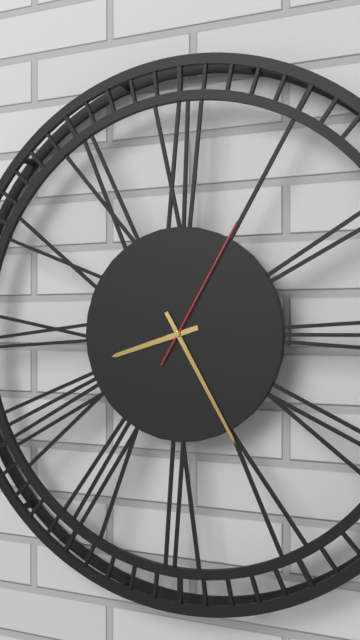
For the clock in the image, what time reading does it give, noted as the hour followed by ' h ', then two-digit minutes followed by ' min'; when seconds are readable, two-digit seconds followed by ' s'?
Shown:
8 h 25 min 05 s
